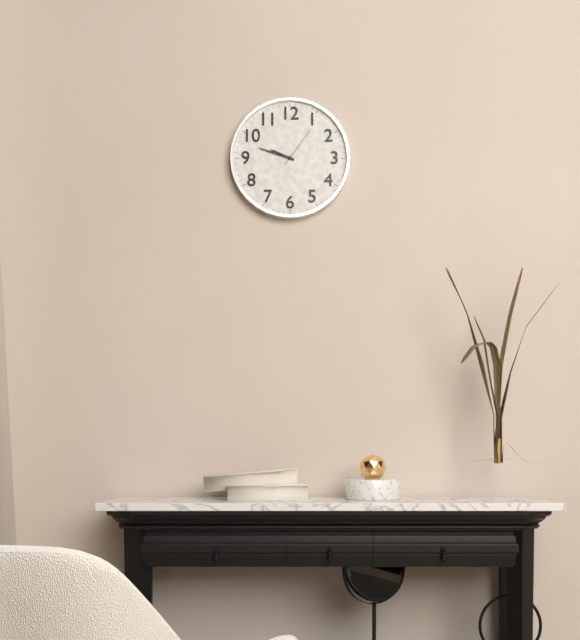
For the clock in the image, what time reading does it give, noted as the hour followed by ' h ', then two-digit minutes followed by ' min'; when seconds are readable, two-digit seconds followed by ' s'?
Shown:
9 h 48 min
